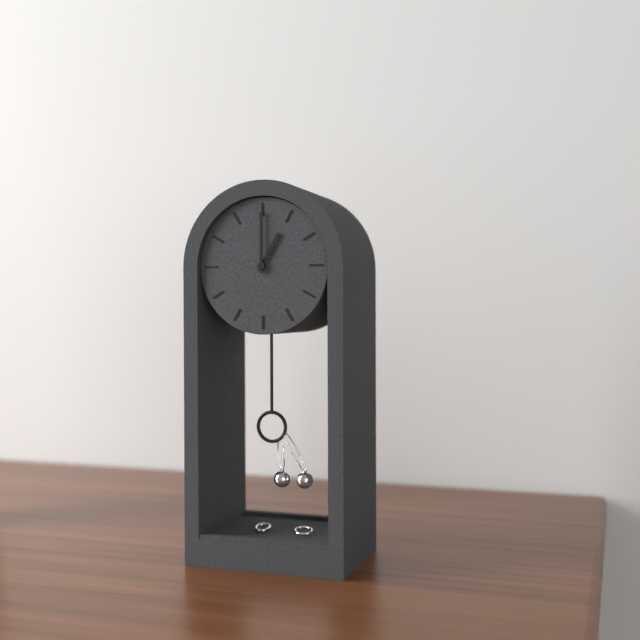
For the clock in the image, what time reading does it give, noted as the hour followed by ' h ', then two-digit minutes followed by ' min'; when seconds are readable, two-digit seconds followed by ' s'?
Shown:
1 h 00 min
